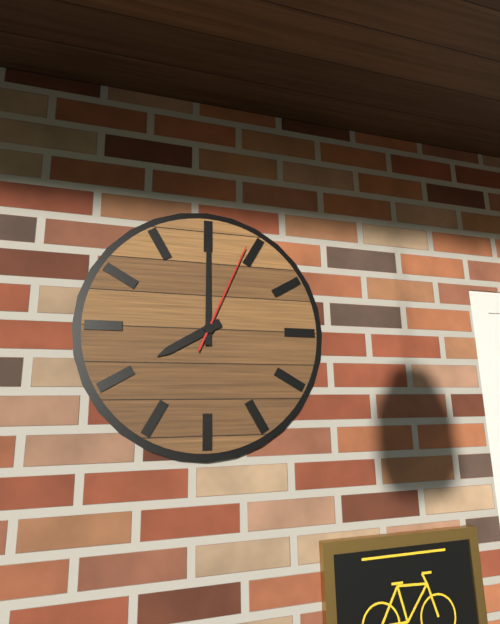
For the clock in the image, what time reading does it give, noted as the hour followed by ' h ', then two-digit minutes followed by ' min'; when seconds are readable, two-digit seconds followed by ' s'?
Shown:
8 h 00 min 04 s
